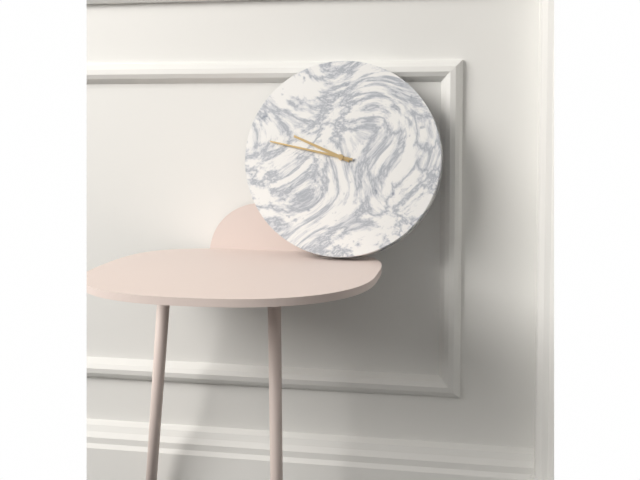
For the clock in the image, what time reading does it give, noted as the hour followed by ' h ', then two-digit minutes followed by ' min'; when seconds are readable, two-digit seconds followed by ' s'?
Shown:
9 h 47 min
